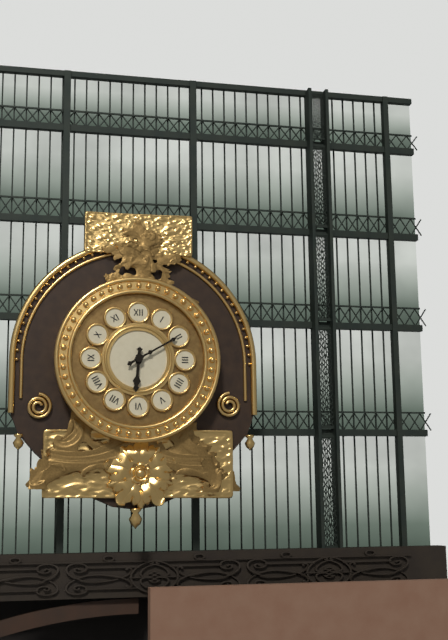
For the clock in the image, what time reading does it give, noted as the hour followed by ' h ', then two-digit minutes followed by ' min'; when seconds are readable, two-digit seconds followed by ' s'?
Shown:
6 h 10 min
